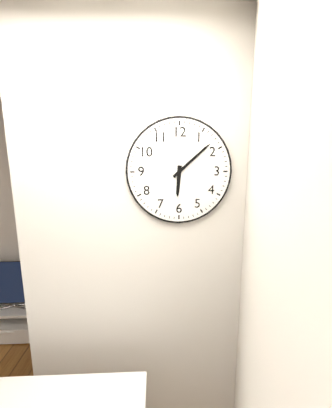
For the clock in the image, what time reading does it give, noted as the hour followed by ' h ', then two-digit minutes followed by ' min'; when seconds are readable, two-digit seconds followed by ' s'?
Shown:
6 h 08 min
